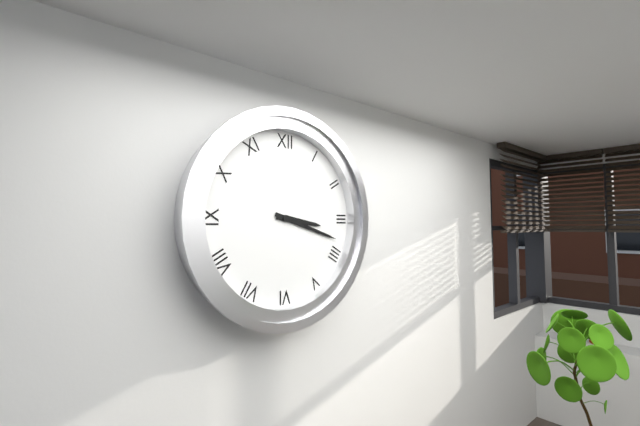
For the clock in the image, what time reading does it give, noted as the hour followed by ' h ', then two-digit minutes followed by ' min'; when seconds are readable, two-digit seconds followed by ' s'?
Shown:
3 h 18 min
